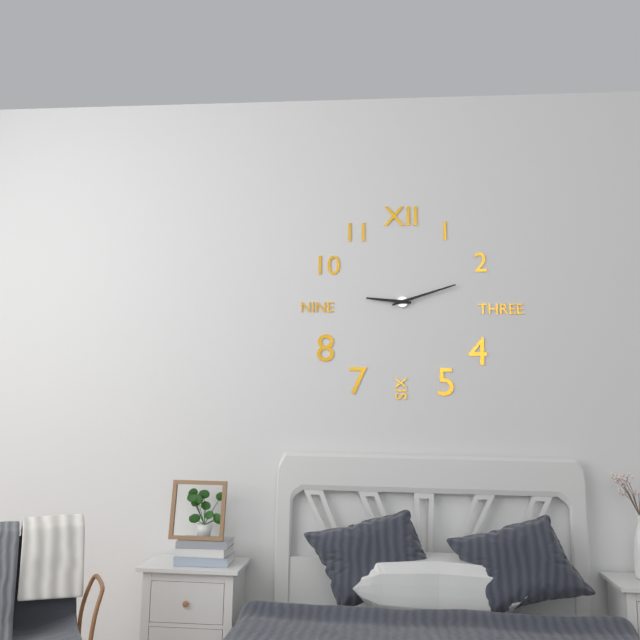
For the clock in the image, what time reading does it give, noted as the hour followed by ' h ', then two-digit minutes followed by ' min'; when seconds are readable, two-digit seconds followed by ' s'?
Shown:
9 h 12 min
